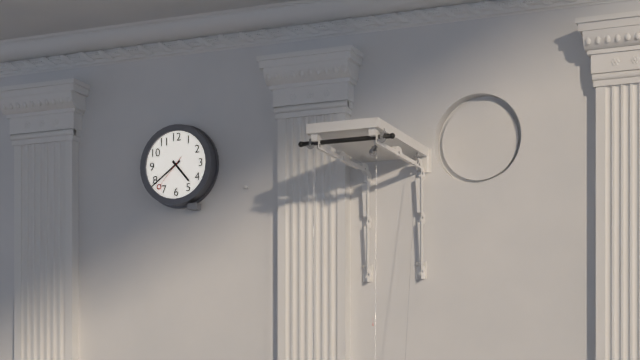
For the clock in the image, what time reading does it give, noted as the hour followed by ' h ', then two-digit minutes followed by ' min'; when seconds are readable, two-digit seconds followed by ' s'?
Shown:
4 h 39 min
